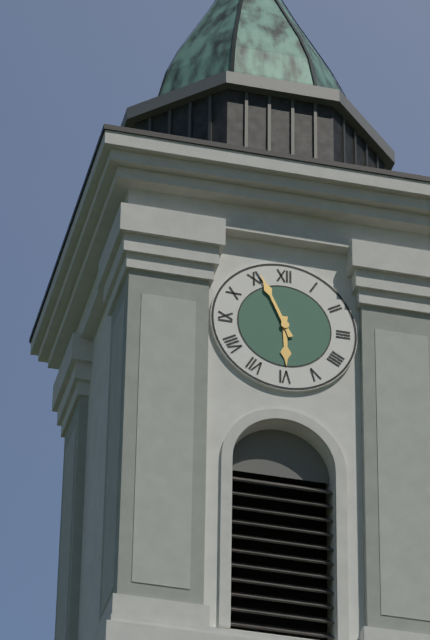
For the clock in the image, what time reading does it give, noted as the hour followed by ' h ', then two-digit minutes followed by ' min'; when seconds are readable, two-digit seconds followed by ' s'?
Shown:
5 h 56 min
